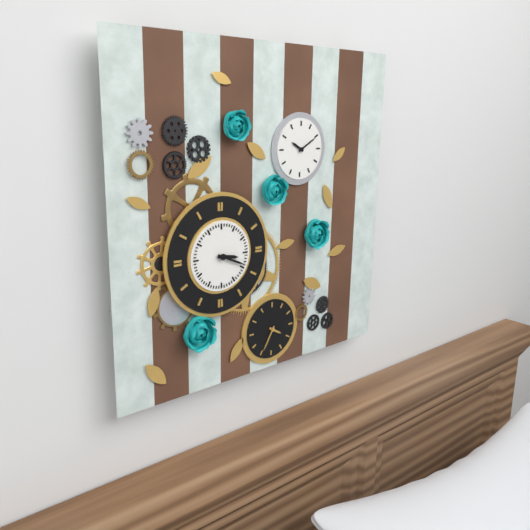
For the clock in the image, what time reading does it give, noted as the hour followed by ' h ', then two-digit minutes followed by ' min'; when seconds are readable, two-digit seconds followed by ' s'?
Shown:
3 h 19 min
